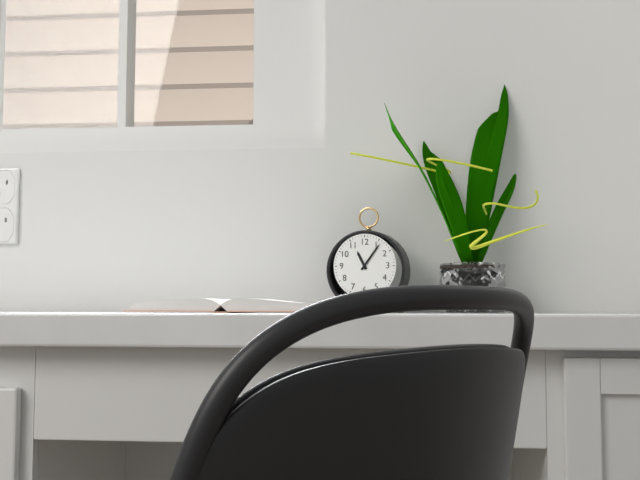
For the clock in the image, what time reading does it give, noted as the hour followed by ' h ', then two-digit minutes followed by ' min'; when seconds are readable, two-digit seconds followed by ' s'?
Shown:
11 h 06 min
